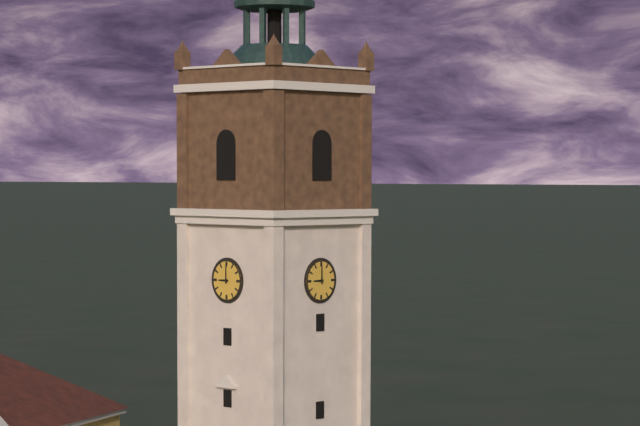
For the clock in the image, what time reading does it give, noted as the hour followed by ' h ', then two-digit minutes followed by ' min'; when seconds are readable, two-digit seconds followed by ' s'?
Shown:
9 h 00 min
